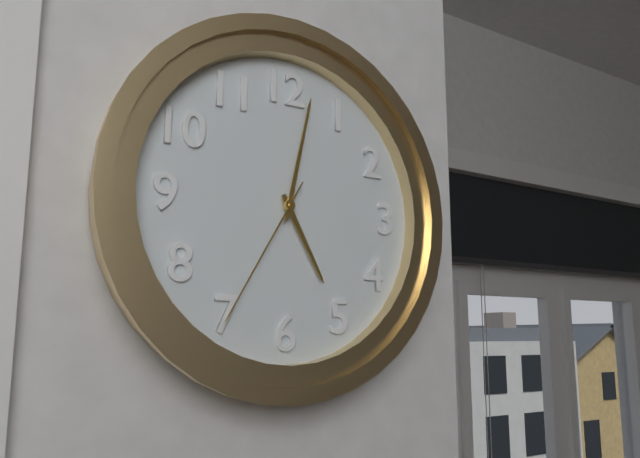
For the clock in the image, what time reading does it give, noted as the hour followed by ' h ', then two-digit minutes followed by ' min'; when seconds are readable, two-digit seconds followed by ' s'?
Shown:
5 h 02 min 35 s
